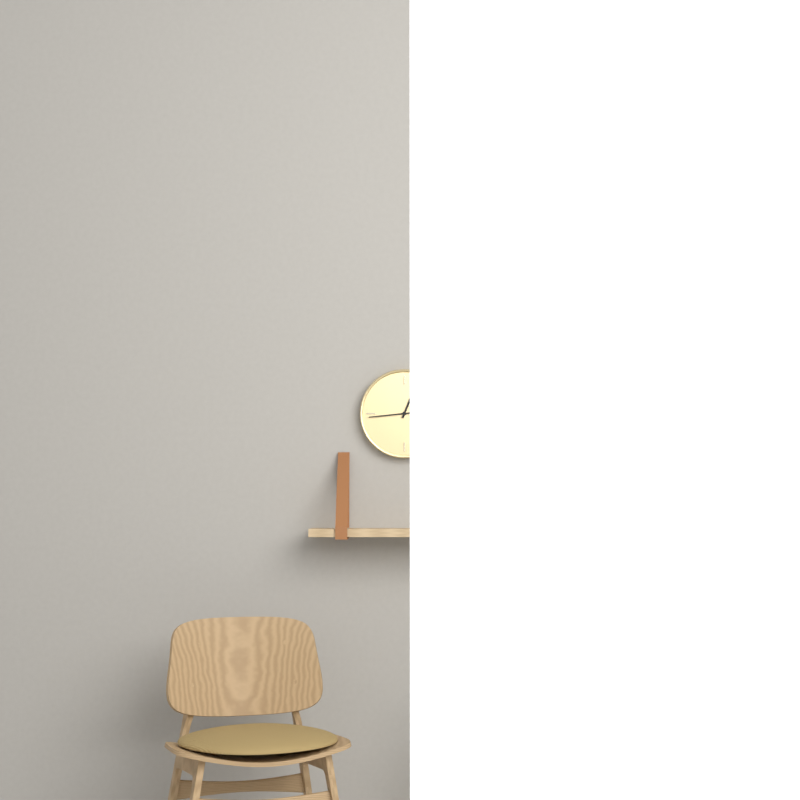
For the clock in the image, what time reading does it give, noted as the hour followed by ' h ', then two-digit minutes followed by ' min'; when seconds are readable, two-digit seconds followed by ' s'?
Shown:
12 h 44 min
